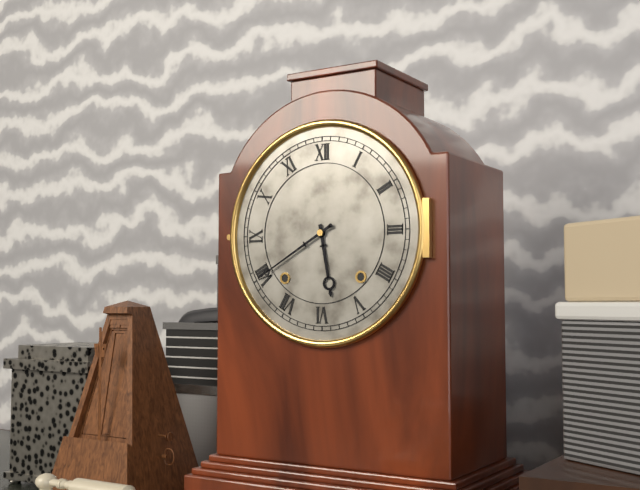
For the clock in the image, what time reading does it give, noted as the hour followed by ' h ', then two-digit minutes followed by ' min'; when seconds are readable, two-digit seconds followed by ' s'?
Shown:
5 h 40 min
